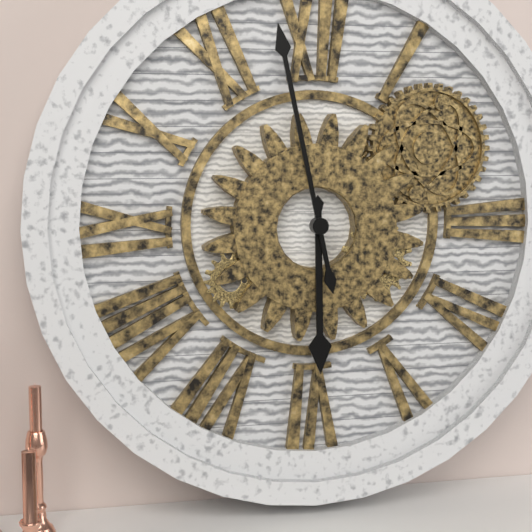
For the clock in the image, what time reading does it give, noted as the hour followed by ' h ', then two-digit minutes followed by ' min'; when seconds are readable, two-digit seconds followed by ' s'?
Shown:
5 h 58 min
